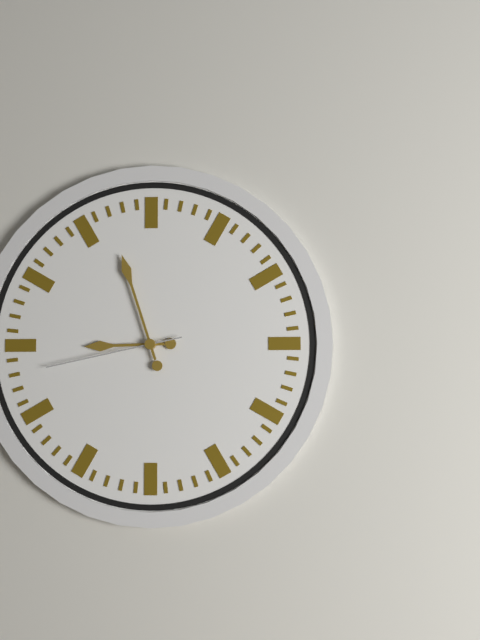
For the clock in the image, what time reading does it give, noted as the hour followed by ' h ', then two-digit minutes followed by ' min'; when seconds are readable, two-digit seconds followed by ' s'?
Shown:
8 h 57 min 43 s
